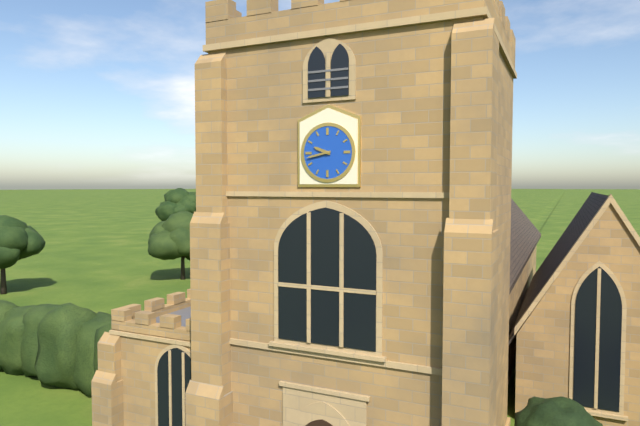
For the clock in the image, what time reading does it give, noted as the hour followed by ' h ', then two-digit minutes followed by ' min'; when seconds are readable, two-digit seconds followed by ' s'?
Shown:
9 h 43 min
